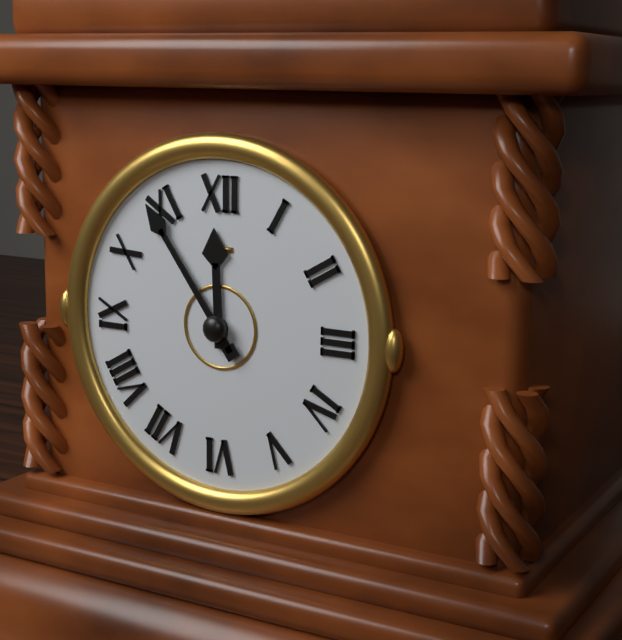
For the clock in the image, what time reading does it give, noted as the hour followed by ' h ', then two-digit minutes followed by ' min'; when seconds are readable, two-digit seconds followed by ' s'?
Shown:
11 h 54 min
